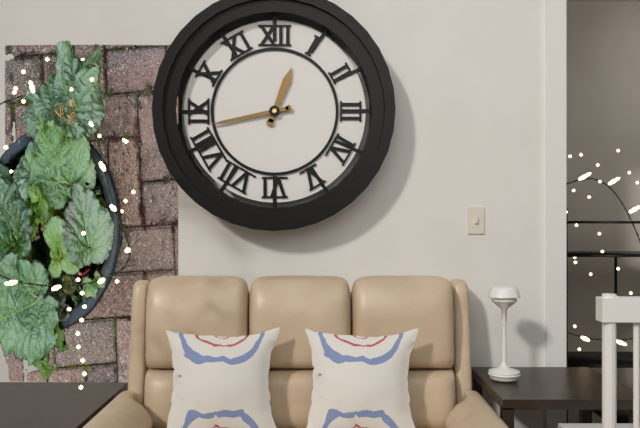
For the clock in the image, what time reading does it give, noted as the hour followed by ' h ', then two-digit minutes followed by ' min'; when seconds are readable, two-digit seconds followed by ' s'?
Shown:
12 h 43 min
